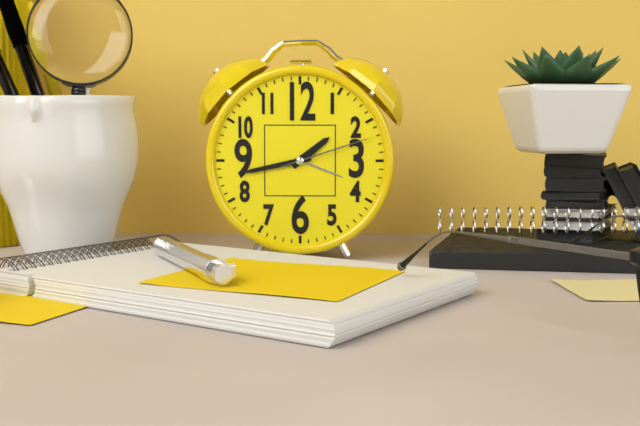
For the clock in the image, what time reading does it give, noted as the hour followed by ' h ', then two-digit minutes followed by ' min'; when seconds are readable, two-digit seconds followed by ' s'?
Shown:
1 h 43 min 12 s
